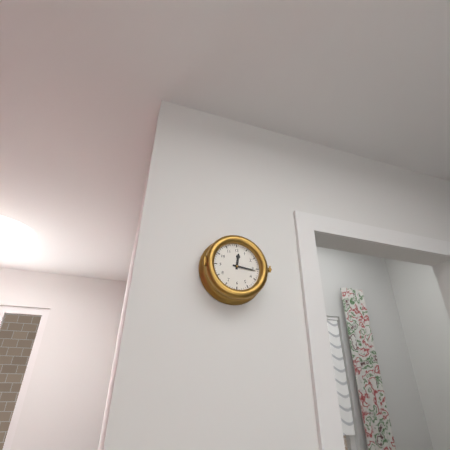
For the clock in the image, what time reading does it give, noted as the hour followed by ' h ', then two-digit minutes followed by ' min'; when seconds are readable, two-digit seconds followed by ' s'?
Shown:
12 h 16 min
